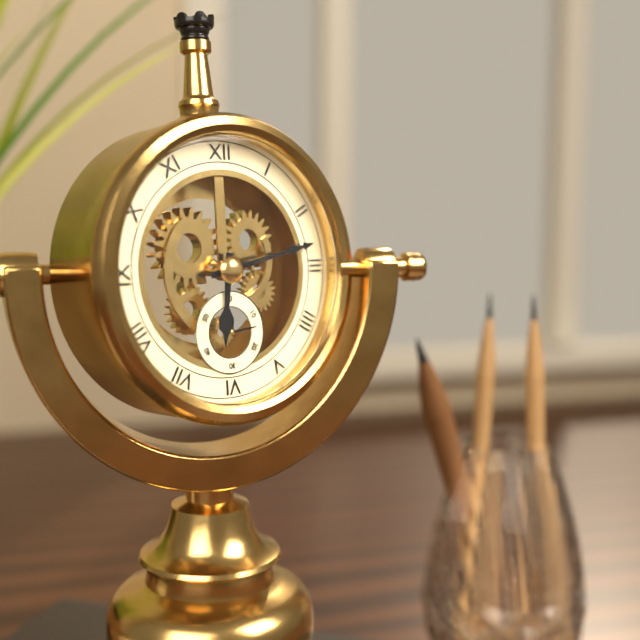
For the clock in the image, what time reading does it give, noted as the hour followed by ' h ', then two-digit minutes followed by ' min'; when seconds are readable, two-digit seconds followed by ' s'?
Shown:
6 h 13 min
